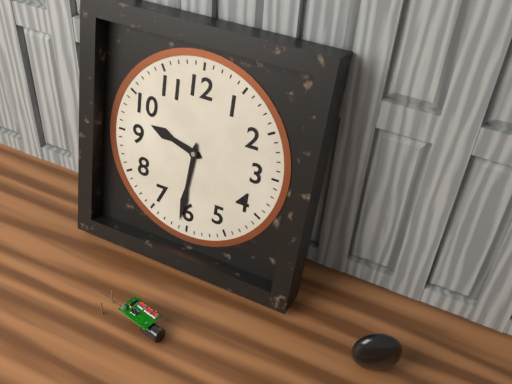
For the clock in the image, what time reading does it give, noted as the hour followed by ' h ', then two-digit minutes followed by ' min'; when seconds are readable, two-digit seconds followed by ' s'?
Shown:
9 h 31 min
